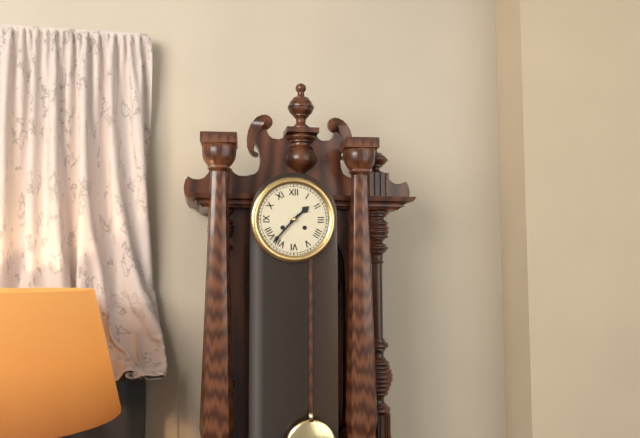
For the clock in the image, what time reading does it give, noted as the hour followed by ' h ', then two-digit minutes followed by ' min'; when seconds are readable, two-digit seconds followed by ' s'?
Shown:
1 h 37 min
